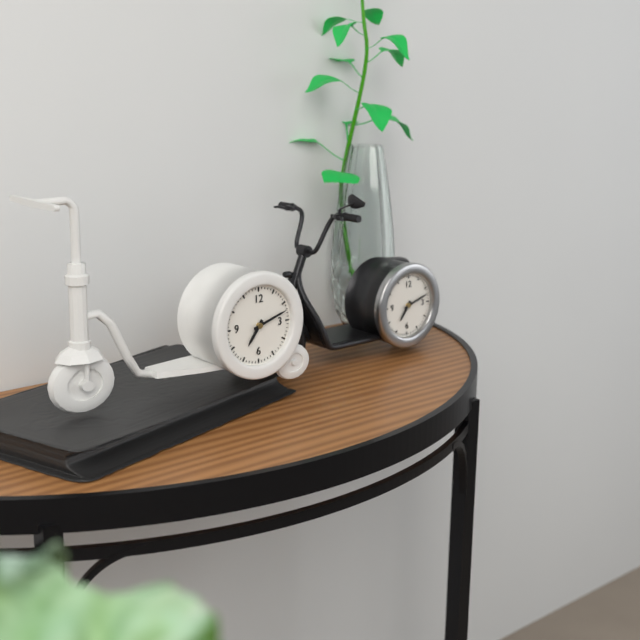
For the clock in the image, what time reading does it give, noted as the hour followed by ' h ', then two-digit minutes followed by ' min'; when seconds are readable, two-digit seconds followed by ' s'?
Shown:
7 h 12 min
